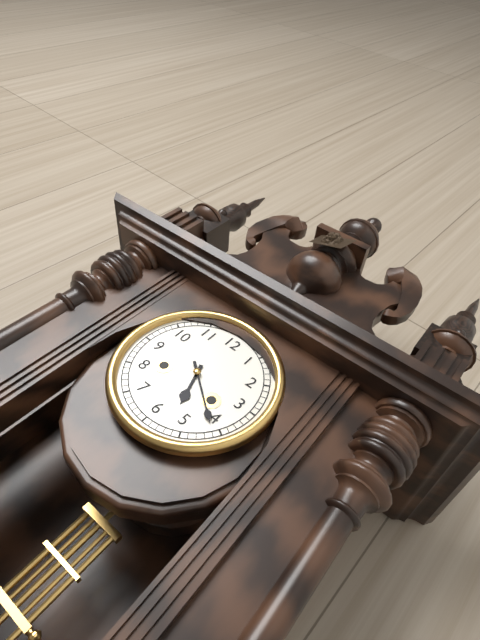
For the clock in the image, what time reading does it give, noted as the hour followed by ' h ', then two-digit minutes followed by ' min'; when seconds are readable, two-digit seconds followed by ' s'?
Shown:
5 h 21 min
